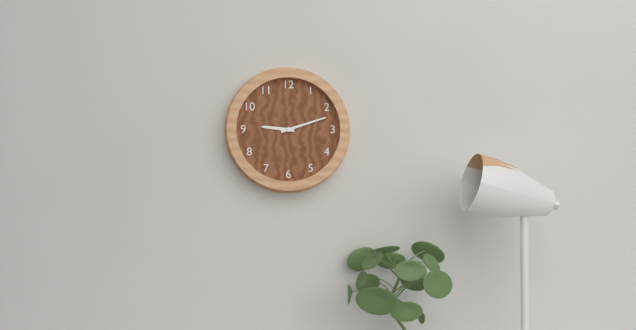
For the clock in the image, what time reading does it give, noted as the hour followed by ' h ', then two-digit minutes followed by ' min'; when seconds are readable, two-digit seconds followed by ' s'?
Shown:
9 h 12 min
